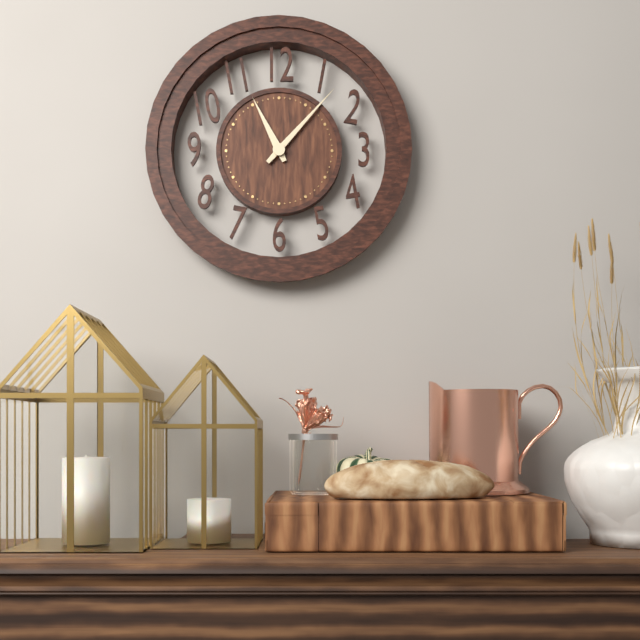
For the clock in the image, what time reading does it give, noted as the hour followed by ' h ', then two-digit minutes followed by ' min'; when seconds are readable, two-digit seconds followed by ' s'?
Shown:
11 h 07 min
